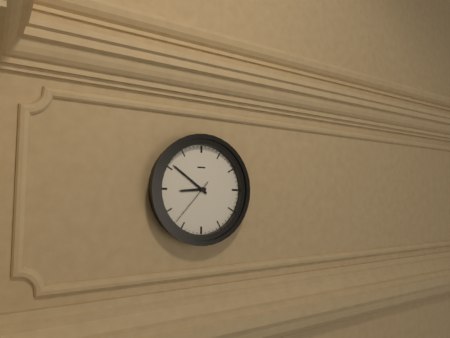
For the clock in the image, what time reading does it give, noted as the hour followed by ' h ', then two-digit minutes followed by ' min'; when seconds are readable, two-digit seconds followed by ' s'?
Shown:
8 h 51 min 37 s
